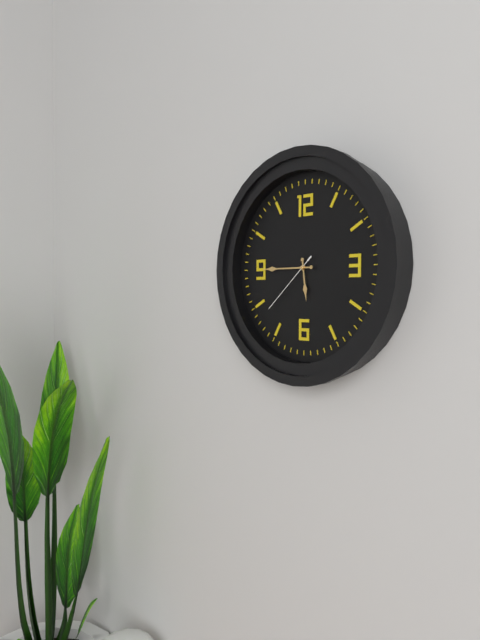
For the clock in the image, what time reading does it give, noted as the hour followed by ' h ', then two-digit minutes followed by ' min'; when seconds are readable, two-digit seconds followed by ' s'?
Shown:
5 h 45 min 38 s
